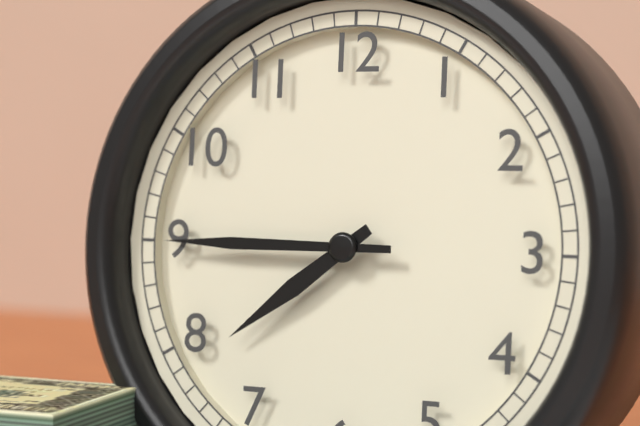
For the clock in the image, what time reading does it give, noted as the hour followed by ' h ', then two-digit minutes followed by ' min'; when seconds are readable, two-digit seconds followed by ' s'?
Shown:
7 h 45 min
